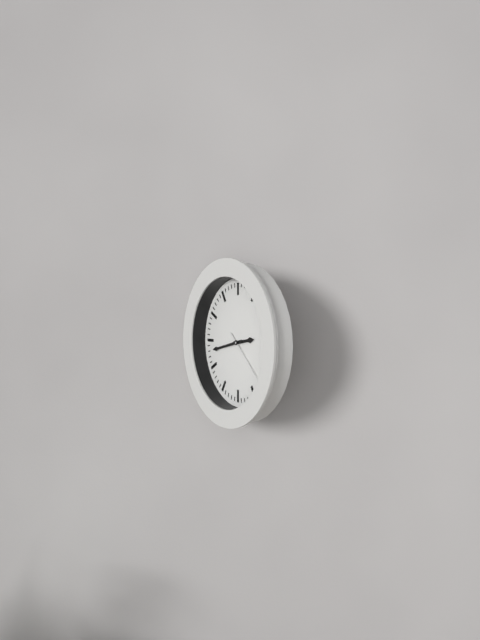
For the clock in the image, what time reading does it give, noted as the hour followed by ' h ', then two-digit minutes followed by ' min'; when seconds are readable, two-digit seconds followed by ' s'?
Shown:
2 h 43 min 22 s
